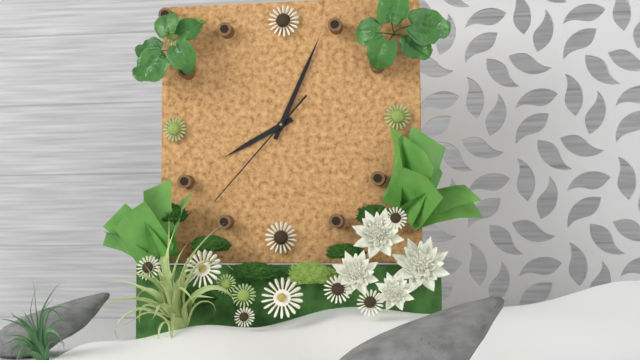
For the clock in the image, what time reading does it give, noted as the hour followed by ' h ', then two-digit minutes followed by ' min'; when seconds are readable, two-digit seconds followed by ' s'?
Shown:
8 h 04 min 37 s
